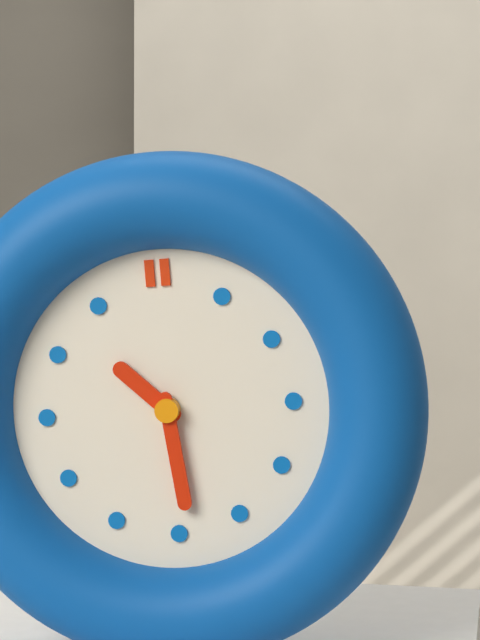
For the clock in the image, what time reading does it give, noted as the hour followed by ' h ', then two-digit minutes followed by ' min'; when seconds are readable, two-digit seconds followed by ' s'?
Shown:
10 h 29 min
